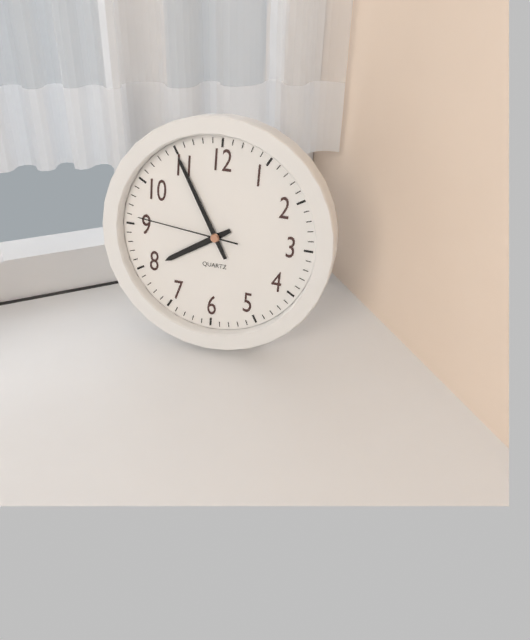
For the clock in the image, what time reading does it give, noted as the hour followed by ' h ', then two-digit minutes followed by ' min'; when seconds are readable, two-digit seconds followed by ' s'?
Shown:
7 h 55 min 46 s
